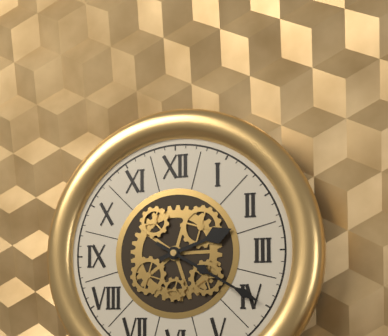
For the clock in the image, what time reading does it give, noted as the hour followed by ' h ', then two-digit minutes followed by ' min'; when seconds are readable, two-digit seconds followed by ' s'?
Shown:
2 h 20 min
